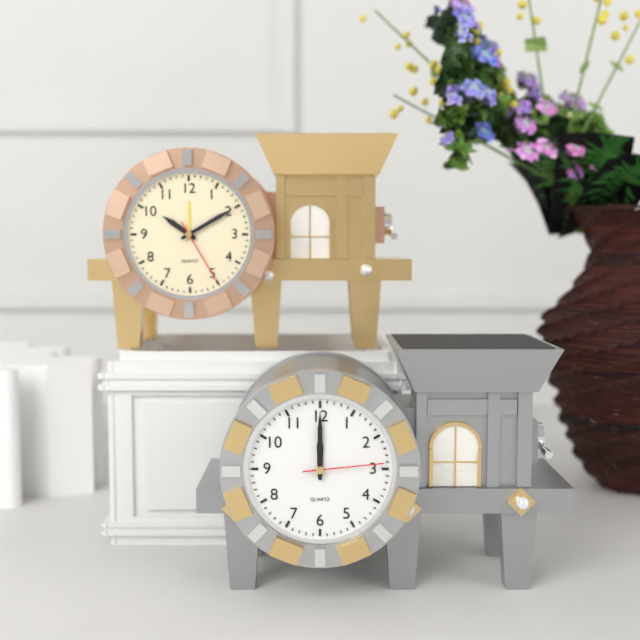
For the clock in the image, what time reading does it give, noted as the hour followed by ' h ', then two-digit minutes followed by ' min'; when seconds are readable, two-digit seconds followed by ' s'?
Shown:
12 h 00 min 14 s
